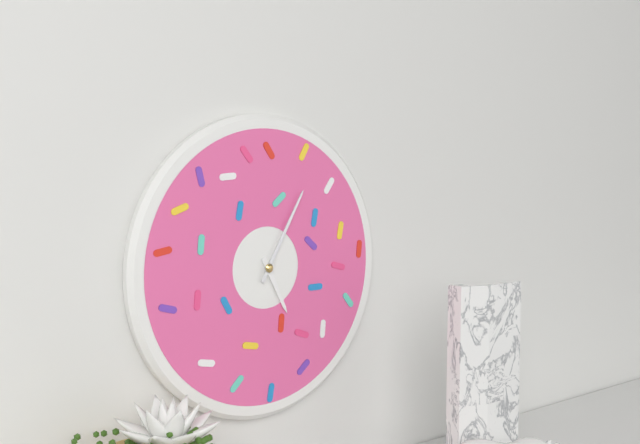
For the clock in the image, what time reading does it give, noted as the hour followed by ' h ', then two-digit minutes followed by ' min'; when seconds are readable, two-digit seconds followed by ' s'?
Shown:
5 h 05 min
